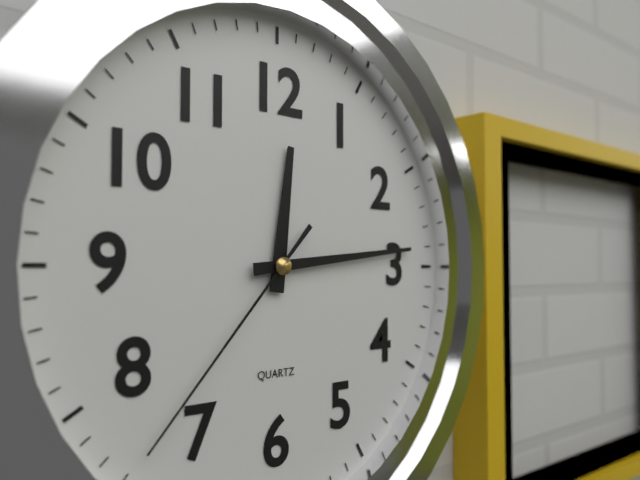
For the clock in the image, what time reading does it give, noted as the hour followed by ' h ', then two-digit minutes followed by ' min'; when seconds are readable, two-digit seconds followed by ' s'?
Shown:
12 h 14 min 37 s
